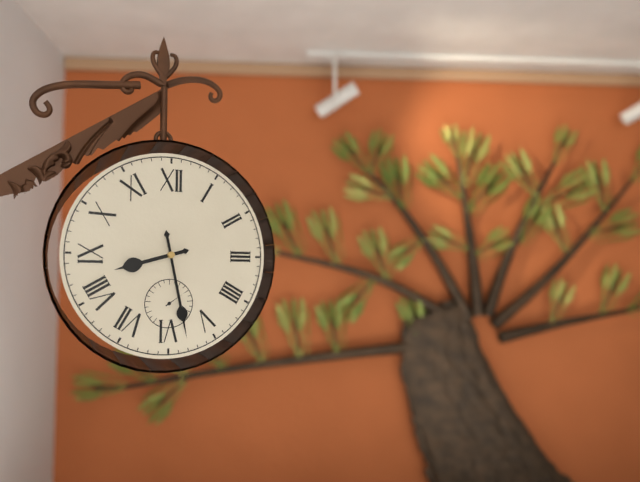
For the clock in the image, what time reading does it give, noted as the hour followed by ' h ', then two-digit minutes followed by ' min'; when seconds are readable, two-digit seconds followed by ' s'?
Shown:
8 h 28 min
